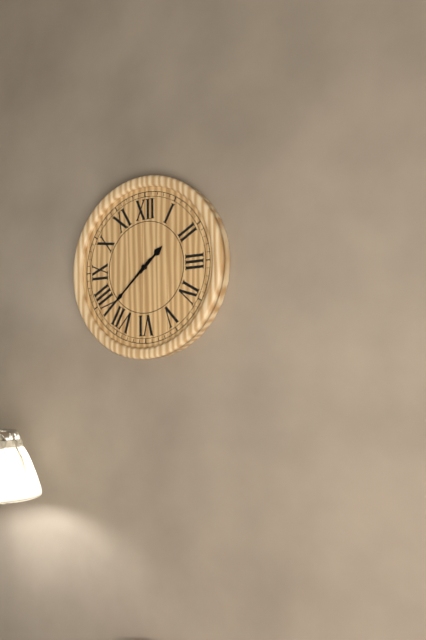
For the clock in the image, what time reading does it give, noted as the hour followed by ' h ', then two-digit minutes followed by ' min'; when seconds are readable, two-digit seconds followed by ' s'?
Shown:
1 h 38 min
